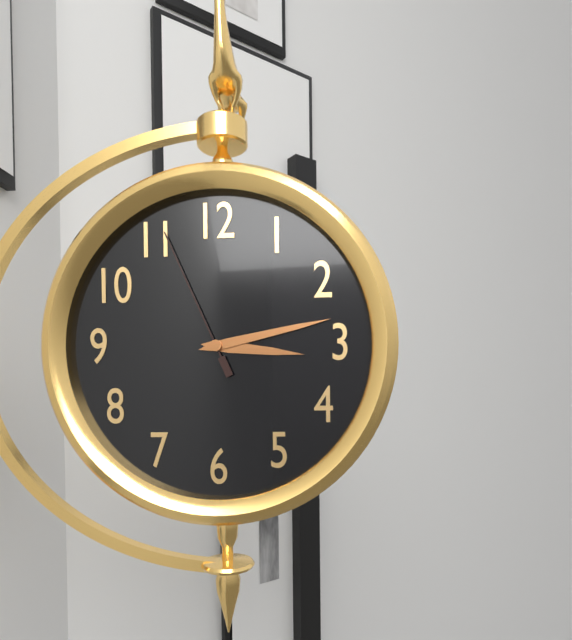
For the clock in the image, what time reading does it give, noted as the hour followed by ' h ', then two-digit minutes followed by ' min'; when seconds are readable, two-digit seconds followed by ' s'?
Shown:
3 h 13 min 56 s
